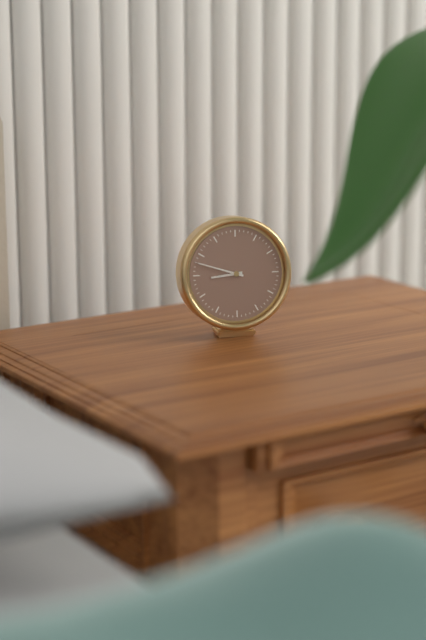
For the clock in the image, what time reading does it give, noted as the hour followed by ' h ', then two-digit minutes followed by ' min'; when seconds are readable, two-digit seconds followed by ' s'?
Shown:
8 h 48 min
